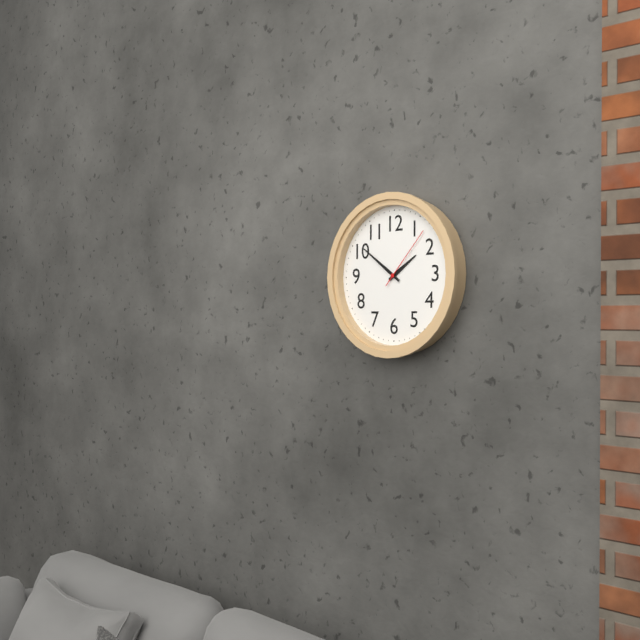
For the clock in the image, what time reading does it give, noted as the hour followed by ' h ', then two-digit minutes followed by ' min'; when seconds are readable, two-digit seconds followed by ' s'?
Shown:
1 h 51 min 07 s
